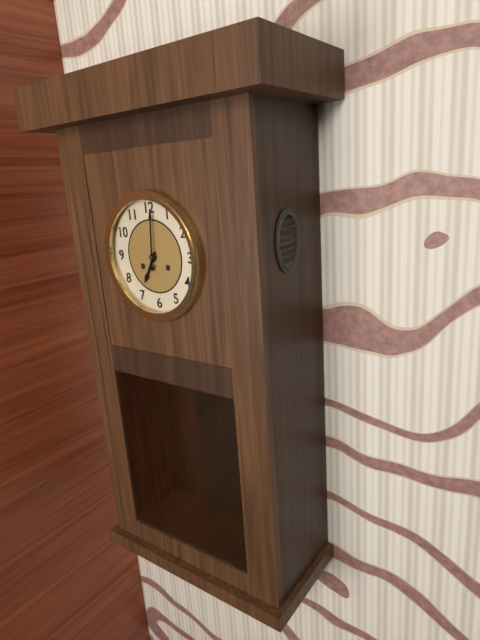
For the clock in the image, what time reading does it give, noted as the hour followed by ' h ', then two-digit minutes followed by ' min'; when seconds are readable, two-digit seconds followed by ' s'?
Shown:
7 h 01 min
